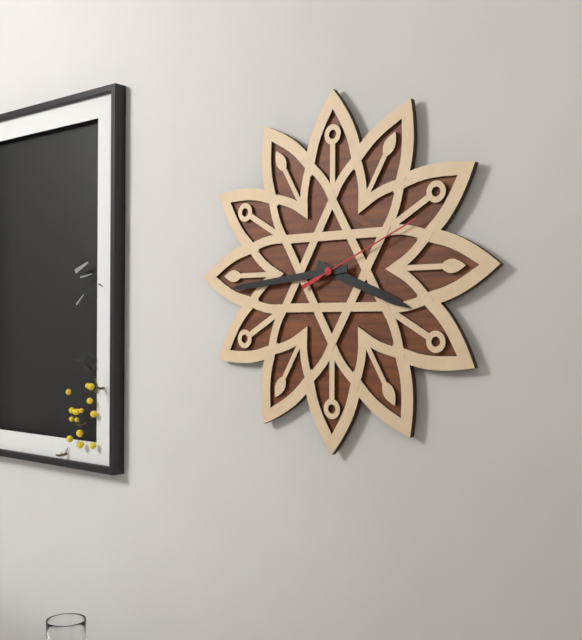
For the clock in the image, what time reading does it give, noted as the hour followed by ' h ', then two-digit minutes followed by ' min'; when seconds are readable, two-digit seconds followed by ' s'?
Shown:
3 h 44 min 11 s
